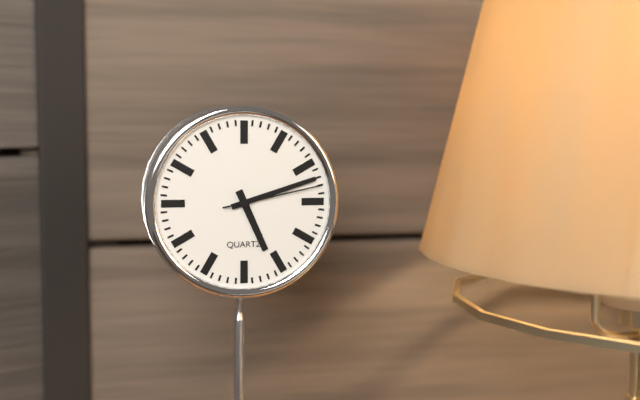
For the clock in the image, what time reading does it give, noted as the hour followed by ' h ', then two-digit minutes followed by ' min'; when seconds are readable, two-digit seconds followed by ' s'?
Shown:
5 h 12 min 13 s
